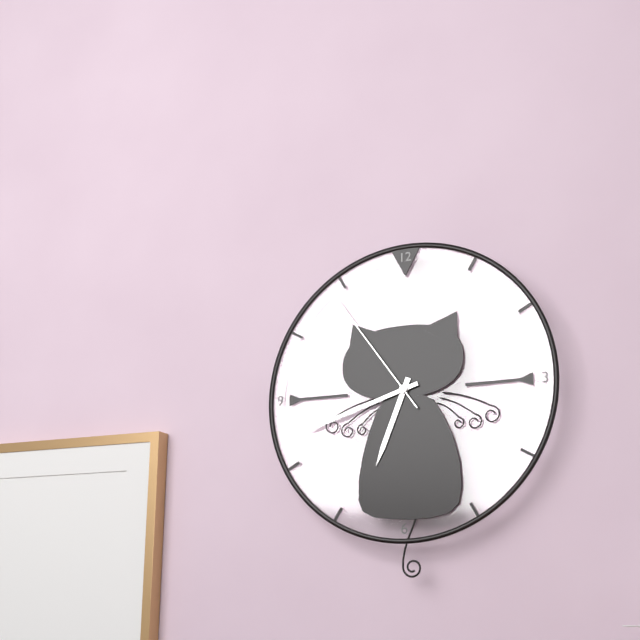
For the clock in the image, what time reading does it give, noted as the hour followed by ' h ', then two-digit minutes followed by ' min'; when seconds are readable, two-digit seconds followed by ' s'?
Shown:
6 h 42 min 54 s
